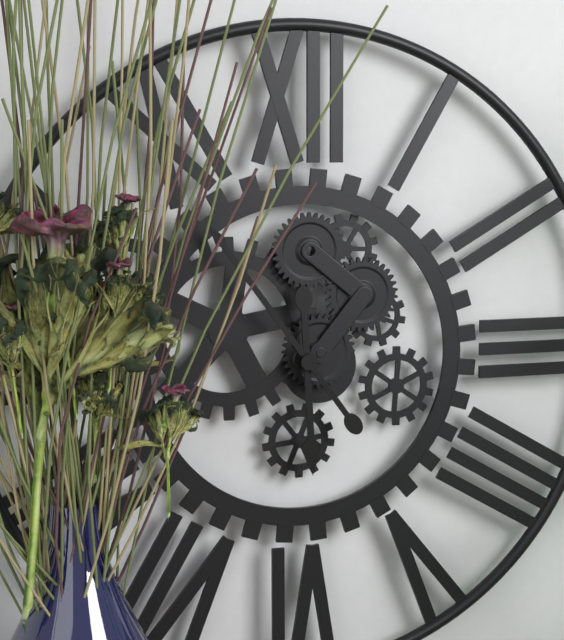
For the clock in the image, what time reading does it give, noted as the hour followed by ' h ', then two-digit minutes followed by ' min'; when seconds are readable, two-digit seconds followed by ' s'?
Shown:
5 h 54 min
